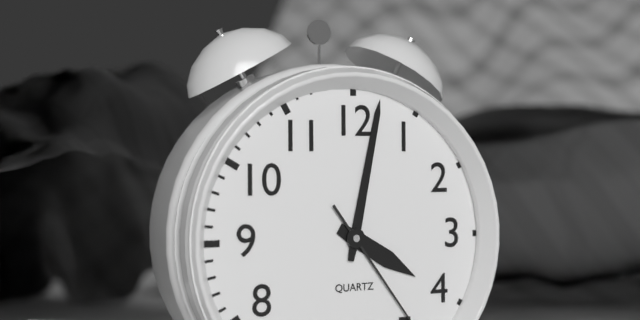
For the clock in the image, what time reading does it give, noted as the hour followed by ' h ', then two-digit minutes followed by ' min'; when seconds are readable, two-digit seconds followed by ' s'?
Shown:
4 h 02 min
